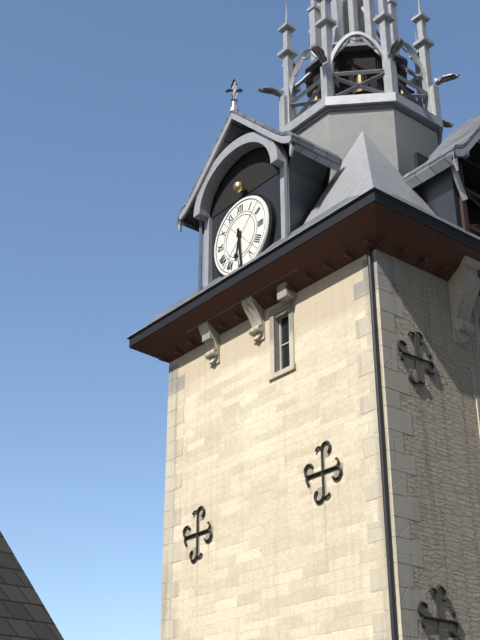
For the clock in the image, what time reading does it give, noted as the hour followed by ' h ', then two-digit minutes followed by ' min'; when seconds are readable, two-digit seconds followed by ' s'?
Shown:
6 h 29 min
